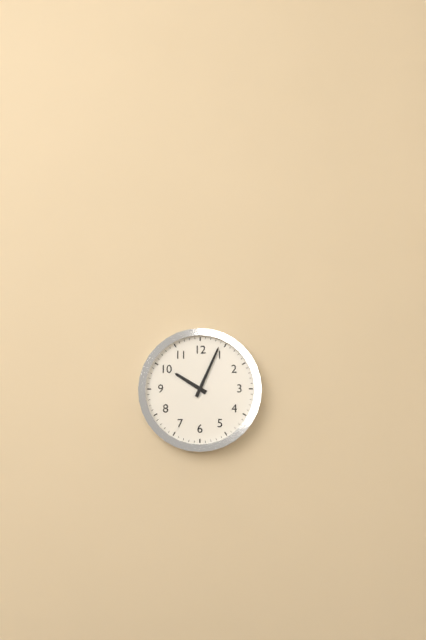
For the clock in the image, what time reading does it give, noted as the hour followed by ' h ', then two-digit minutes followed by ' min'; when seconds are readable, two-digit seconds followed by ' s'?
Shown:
10 h 04 min
